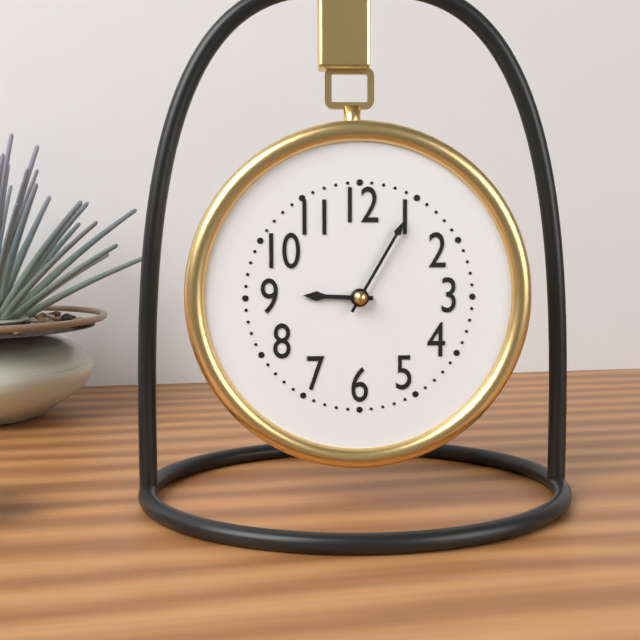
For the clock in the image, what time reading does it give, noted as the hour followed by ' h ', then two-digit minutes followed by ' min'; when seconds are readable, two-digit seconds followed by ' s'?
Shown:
9 h 05 min
